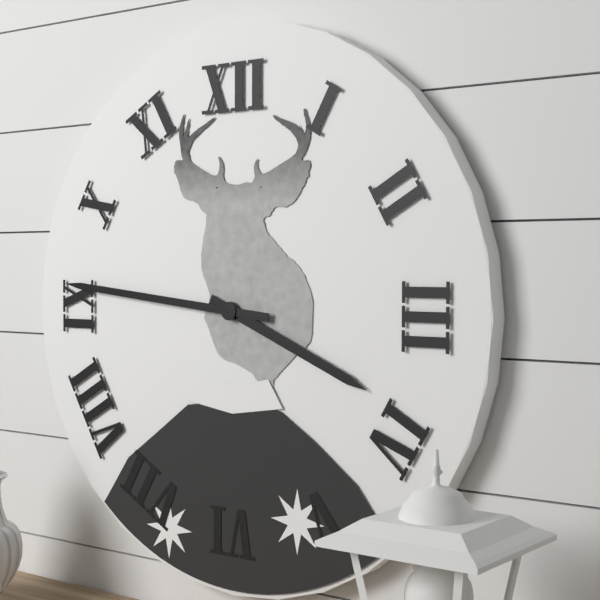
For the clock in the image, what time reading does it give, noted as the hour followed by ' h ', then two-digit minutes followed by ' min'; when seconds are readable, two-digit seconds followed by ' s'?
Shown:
3 h 46 min
